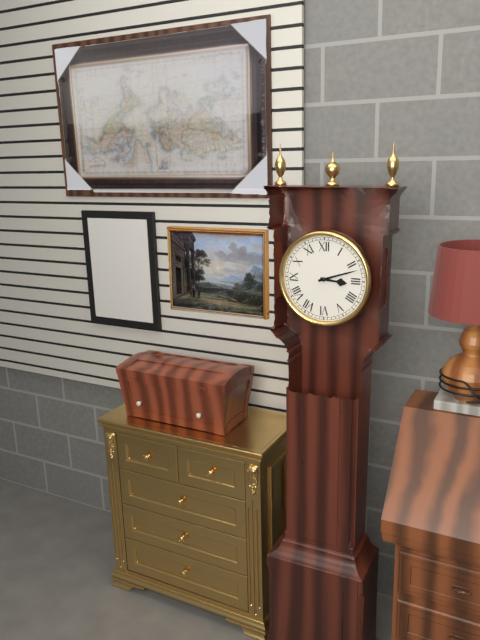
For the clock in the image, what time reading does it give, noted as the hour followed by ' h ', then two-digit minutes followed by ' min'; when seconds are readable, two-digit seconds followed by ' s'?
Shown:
3 h 12 min
